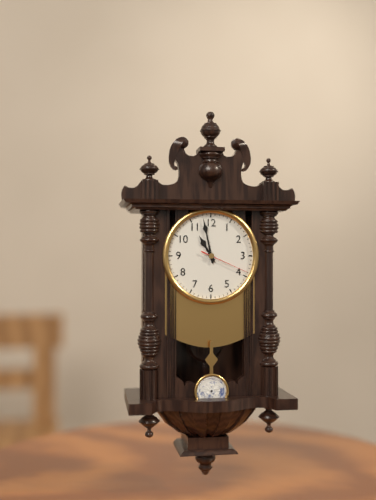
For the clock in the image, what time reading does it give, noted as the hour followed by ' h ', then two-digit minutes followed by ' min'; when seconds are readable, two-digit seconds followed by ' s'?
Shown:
10 h 58 min 19 s
